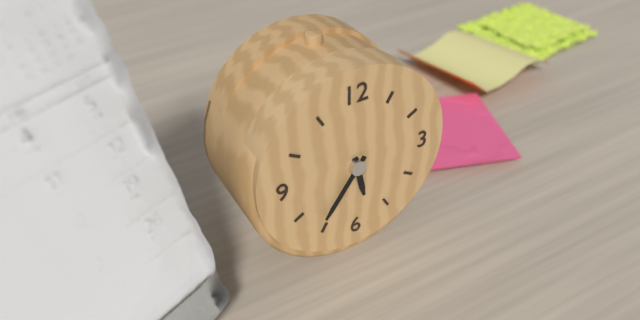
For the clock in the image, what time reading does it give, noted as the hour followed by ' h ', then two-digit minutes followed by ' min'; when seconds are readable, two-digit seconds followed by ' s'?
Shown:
5 h 36 min
